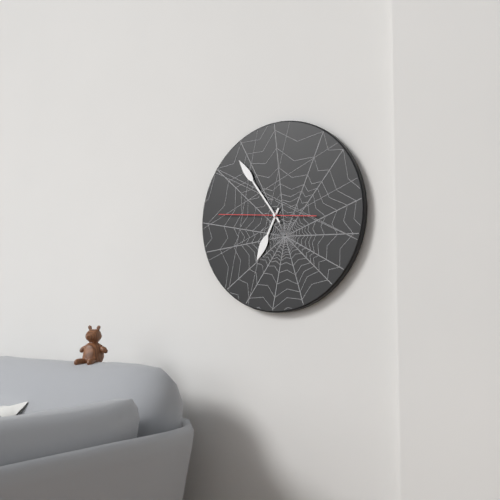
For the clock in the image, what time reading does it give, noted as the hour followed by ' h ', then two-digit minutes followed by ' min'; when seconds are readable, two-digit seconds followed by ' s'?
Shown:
6 h 54 min 46 s
